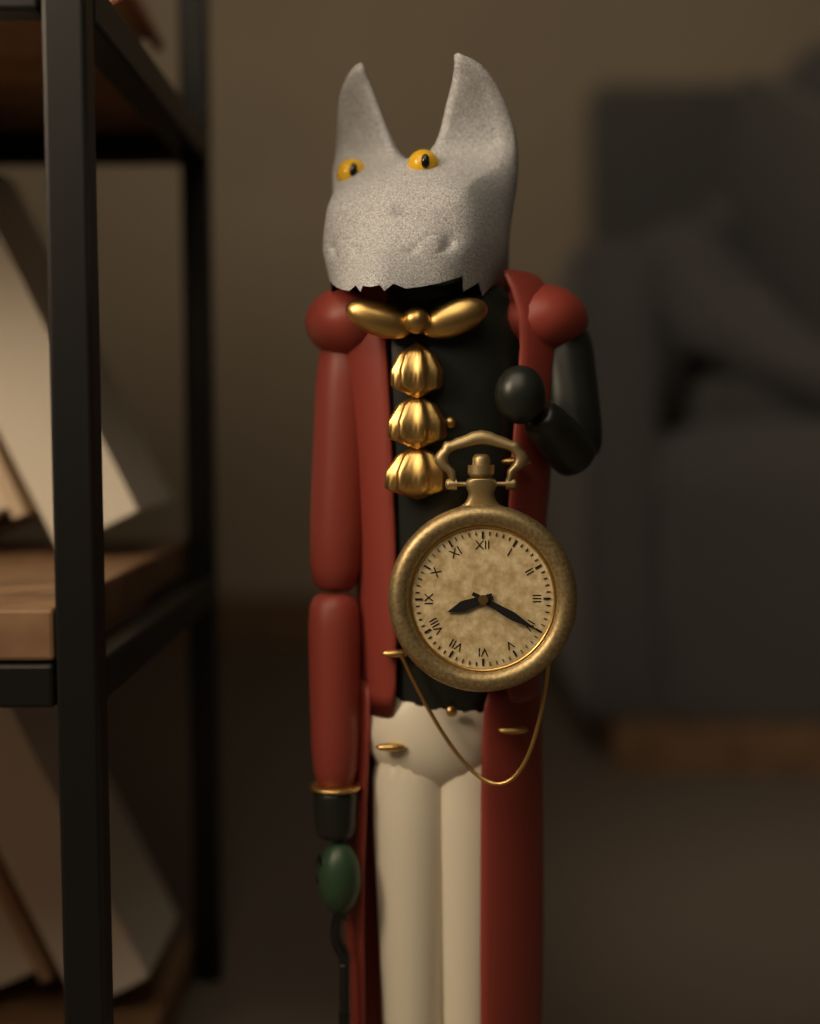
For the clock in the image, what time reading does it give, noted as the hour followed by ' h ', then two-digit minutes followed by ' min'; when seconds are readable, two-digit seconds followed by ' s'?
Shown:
8 h 20 min
